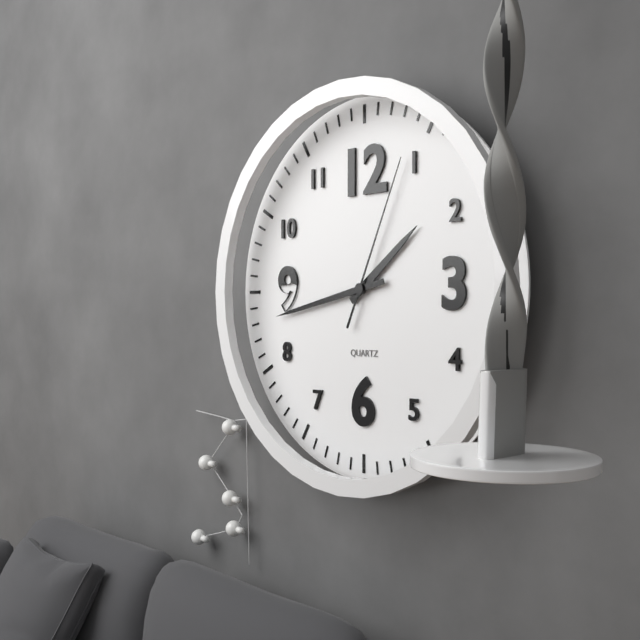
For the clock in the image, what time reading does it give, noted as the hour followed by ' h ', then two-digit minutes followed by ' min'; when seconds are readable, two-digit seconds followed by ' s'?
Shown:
1 h 43 min 04 s
